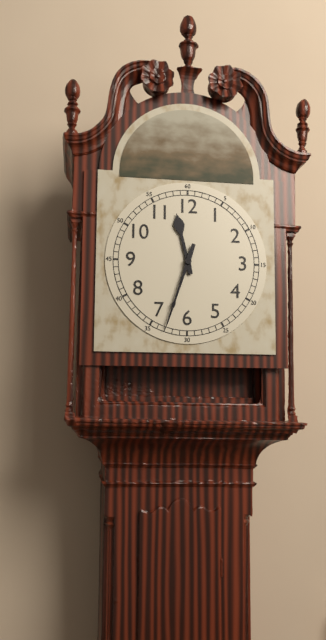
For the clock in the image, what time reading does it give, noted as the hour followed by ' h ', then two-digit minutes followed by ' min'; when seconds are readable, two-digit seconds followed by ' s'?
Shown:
11 h 33 min
